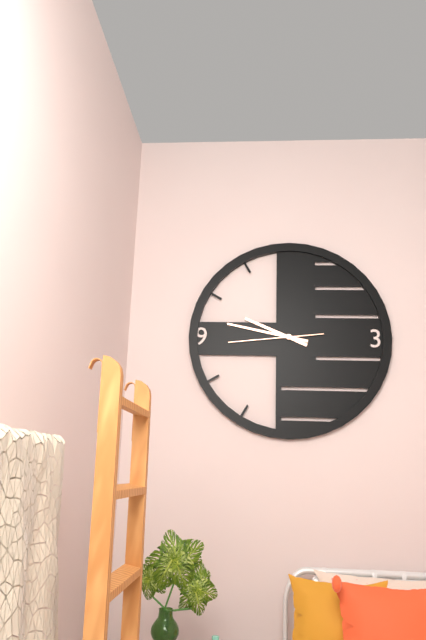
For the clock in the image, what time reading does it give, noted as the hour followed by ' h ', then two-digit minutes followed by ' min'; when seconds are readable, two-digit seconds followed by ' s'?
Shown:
9 h 47 min 44 s
